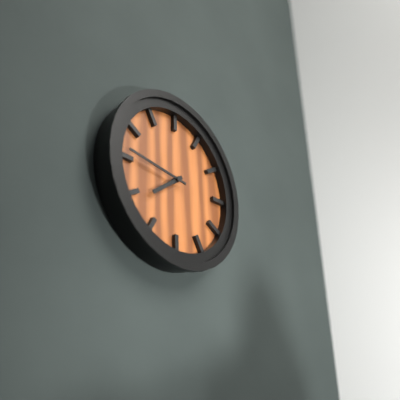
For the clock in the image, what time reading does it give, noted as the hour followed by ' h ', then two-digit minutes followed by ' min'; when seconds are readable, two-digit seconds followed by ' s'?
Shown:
7 h 46 min
